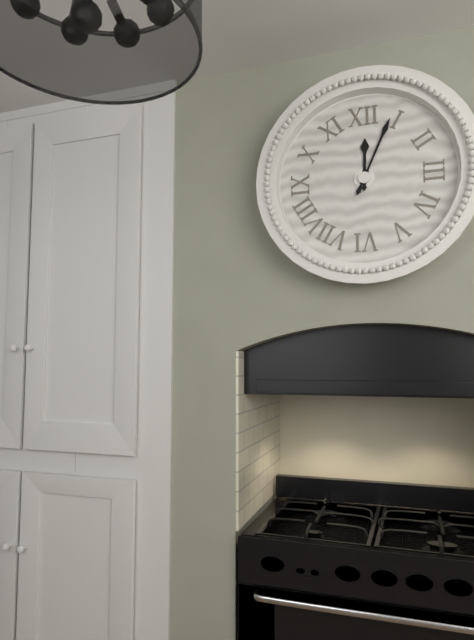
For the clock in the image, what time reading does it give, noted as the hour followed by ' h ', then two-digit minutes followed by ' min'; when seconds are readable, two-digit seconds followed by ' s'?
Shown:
12 h 04 min
